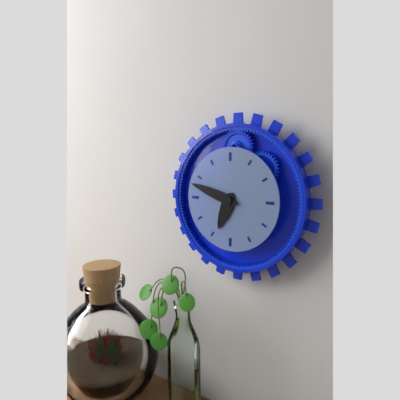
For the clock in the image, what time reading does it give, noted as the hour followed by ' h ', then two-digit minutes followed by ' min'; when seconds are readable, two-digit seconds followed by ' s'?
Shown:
6 h 48 min
